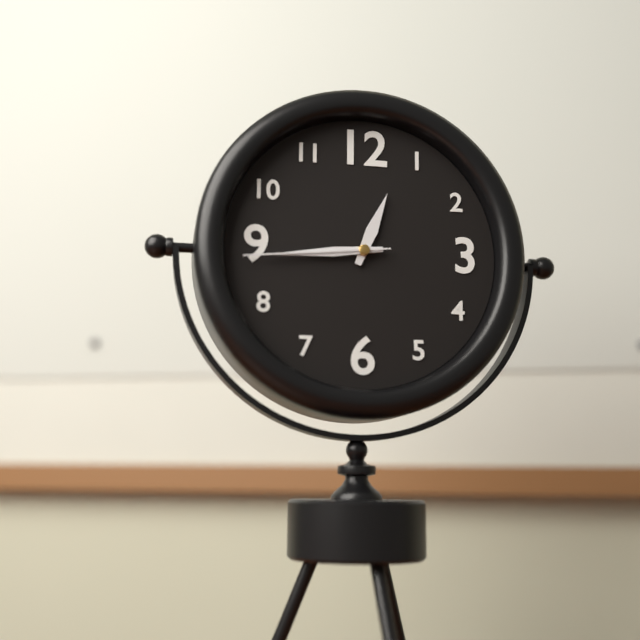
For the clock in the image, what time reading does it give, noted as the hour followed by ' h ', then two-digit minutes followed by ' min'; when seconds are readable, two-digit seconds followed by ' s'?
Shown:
12 h 44 min 44 s
